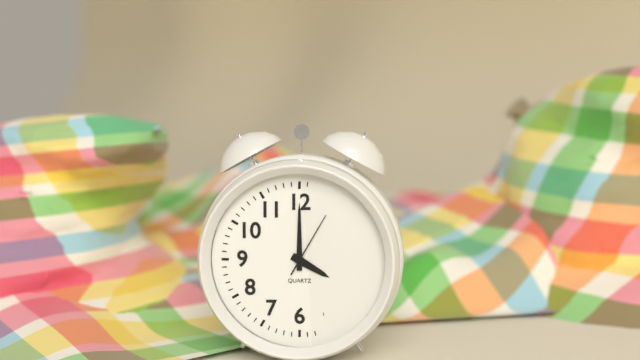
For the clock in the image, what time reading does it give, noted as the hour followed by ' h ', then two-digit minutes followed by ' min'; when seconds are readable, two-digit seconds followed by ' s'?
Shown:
4 h 00 min 05 s
